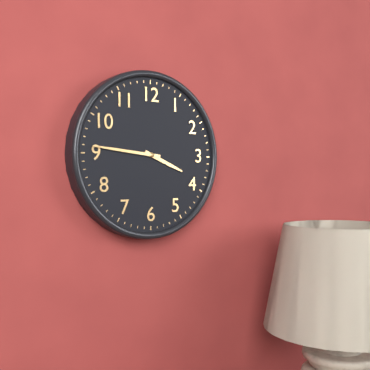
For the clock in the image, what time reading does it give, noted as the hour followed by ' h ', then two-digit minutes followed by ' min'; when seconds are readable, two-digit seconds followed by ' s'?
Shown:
3 h 46 min
